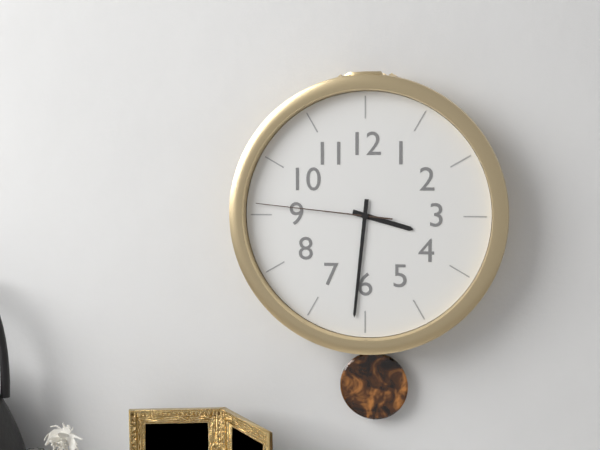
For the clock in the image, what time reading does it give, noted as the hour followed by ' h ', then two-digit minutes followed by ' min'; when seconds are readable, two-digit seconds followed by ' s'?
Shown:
3 h 31 min 46 s
